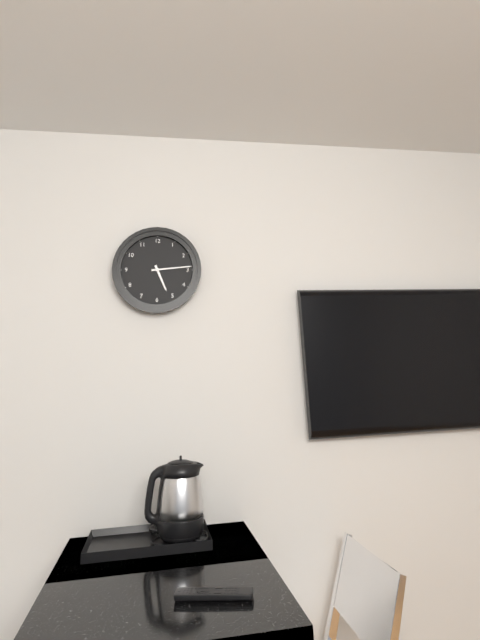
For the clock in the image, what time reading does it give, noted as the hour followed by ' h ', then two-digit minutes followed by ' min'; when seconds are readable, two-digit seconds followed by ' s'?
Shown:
5 h 14 min
